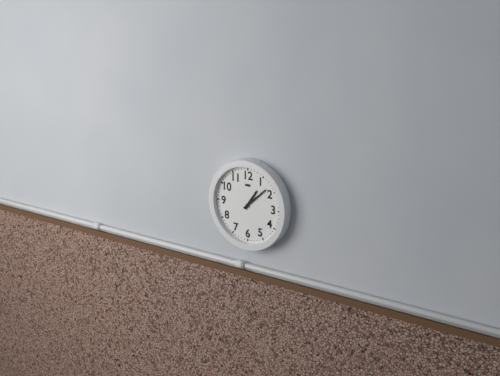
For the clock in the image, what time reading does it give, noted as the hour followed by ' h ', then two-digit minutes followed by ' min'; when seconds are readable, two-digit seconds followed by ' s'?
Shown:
1 h 08 min
